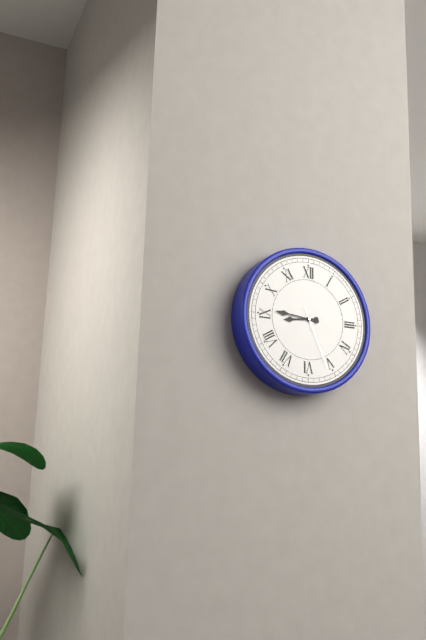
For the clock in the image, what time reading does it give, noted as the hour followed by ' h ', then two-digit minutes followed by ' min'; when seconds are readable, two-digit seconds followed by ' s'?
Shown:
8 h 46 min 26 s
